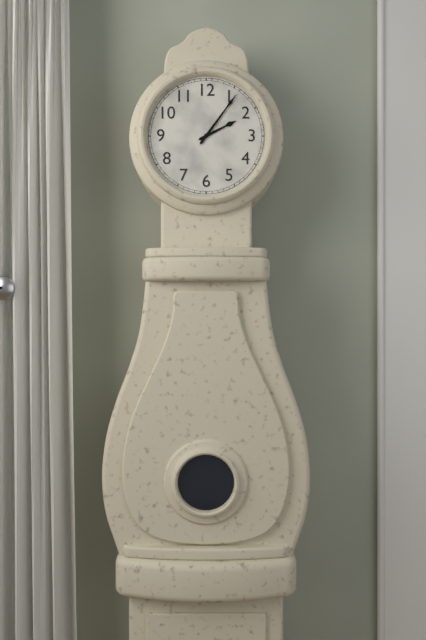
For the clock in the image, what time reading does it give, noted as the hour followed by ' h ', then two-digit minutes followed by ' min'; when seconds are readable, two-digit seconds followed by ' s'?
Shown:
2 h 06 min
